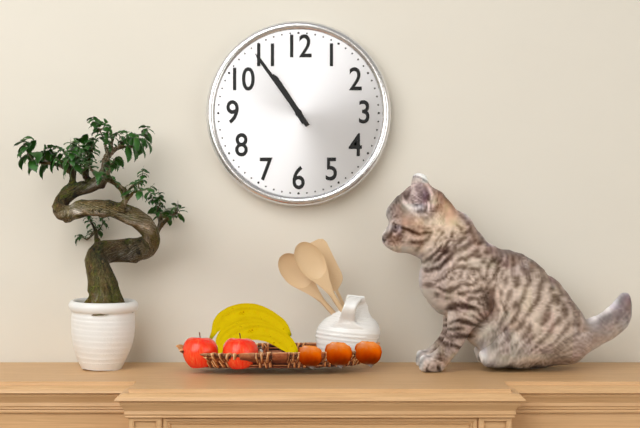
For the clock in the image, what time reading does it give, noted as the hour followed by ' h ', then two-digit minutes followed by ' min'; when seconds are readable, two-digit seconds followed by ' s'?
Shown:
10 h 54 min
